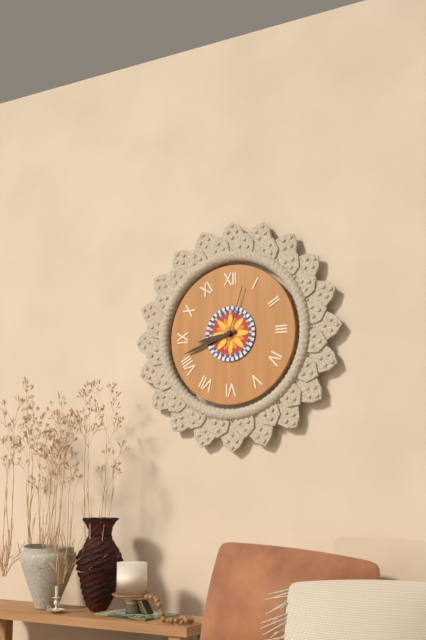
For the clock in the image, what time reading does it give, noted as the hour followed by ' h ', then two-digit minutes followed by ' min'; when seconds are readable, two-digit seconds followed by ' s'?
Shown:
8 h 42 min 03 s
